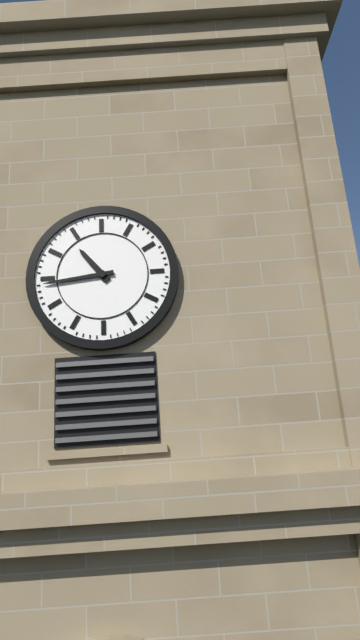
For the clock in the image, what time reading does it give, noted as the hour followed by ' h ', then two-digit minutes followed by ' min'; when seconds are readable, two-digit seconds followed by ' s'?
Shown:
10 h 44 min
